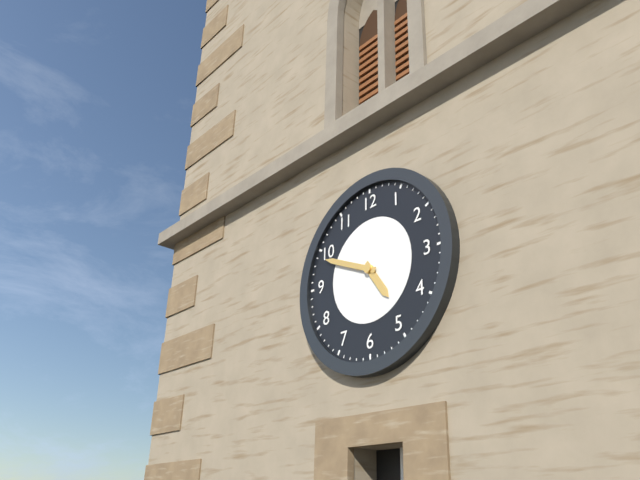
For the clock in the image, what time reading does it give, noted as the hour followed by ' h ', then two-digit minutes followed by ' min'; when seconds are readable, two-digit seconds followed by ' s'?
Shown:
4 h 49 min
